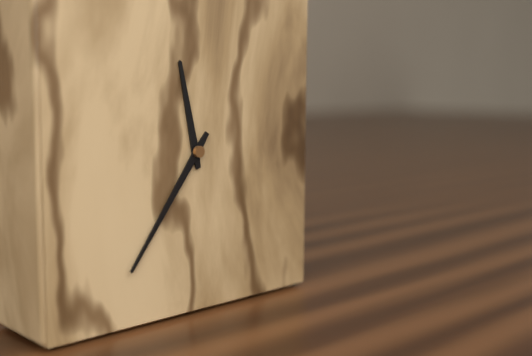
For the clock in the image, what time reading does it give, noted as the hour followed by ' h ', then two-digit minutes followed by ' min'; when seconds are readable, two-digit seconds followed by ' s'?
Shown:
11 h 36 min
